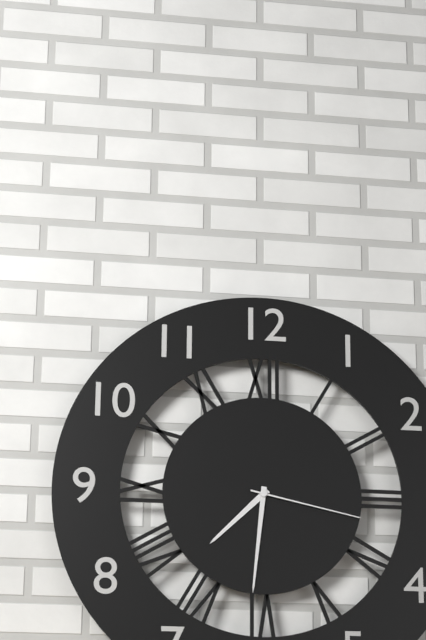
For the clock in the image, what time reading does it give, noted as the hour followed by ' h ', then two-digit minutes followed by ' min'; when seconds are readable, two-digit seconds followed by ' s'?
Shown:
7 h 31 min 17 s
